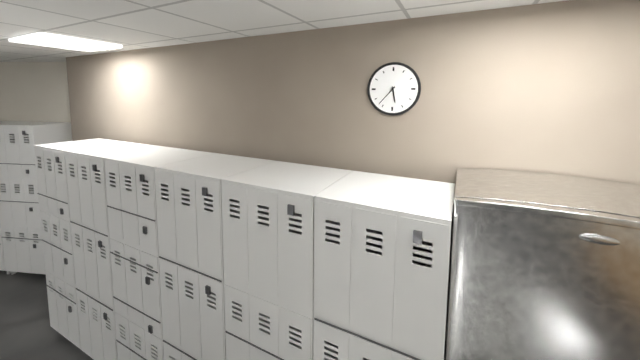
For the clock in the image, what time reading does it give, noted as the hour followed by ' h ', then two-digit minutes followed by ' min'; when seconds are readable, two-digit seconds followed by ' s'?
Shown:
5 h 37 min
